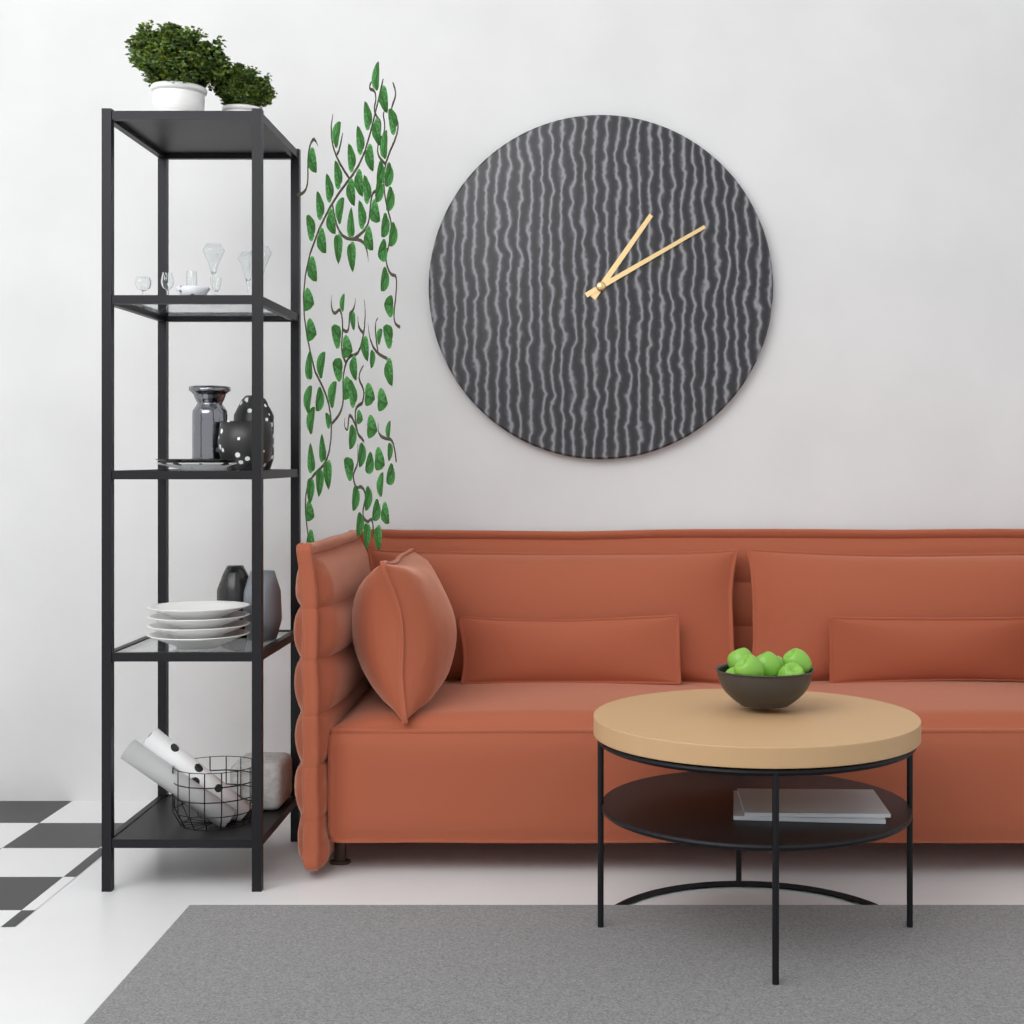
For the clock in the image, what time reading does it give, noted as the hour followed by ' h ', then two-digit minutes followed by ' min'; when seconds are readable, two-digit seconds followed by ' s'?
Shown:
1 h 10 min
